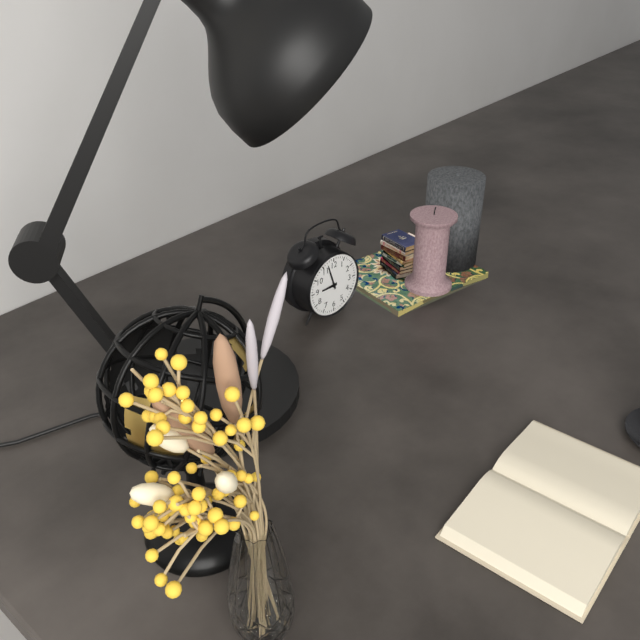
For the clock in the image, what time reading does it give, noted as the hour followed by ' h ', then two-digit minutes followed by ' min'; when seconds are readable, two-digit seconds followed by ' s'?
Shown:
8 h 57 min
